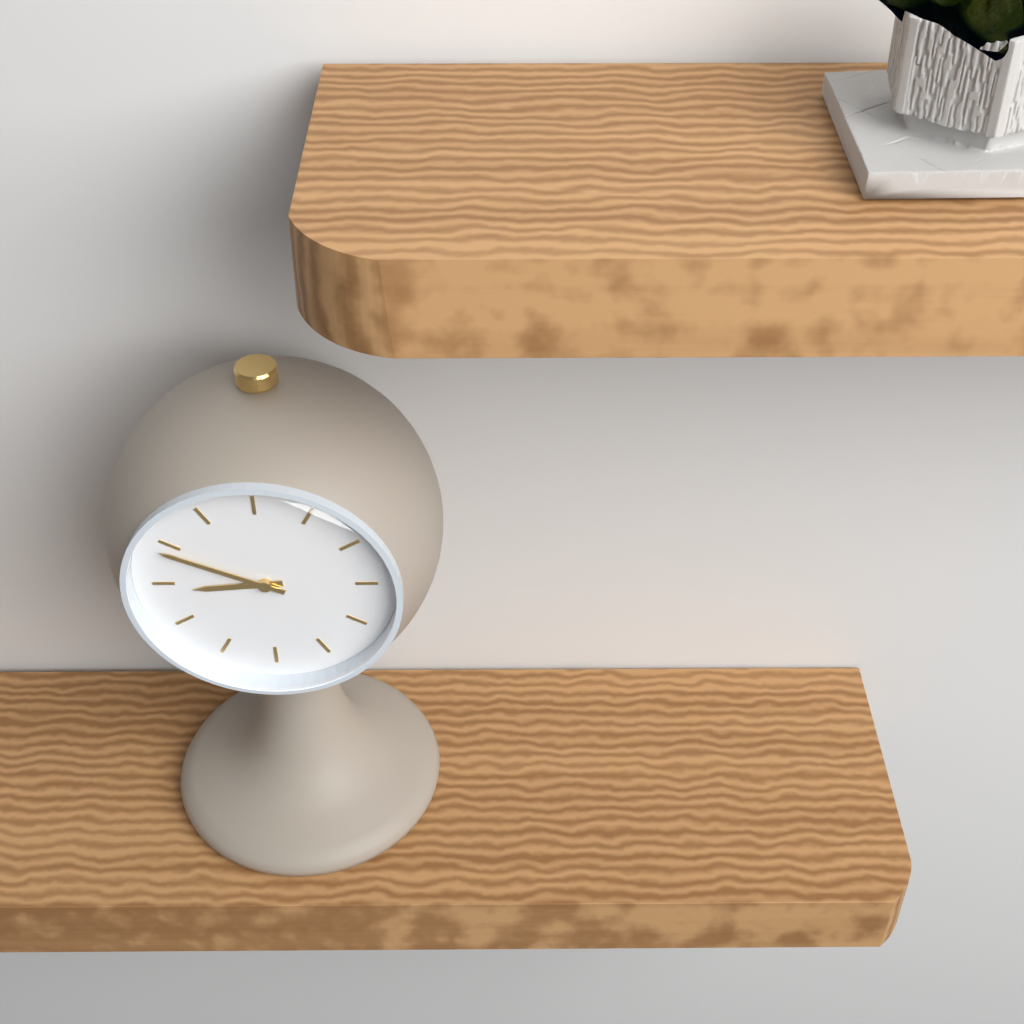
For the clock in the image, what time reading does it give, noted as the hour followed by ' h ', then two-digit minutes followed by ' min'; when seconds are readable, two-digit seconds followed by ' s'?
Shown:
8 h 49 min
